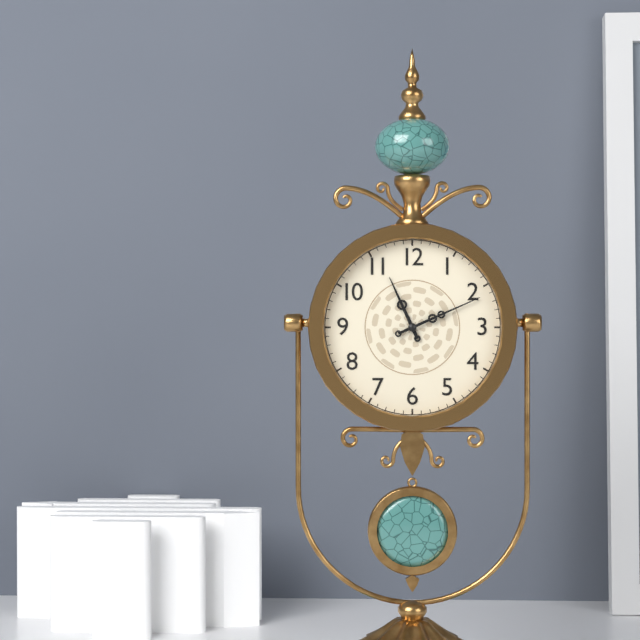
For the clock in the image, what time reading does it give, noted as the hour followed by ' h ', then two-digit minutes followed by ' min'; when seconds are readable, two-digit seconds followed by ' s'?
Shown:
11 h 11 min
